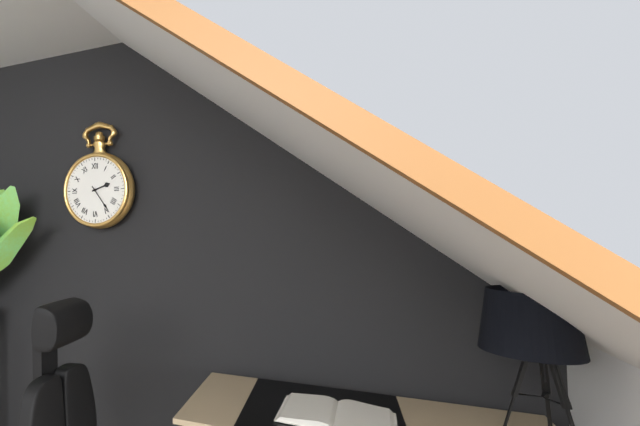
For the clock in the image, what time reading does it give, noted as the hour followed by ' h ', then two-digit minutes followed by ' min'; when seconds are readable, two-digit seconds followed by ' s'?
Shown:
2 h 24 min
